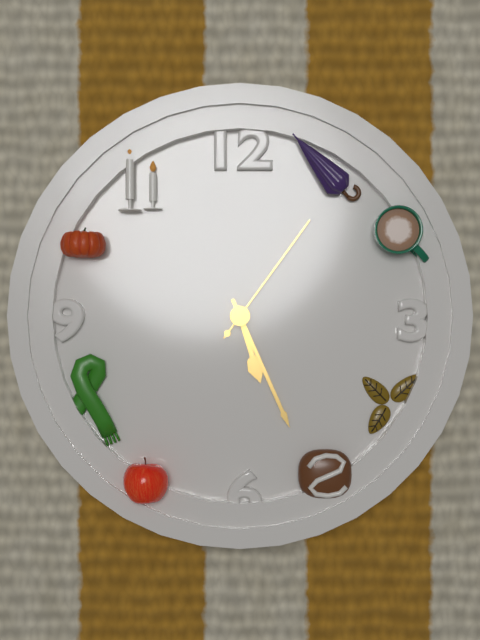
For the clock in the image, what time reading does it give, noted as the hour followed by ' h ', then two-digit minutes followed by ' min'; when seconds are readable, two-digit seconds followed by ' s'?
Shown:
5 h 26 min 06 s
